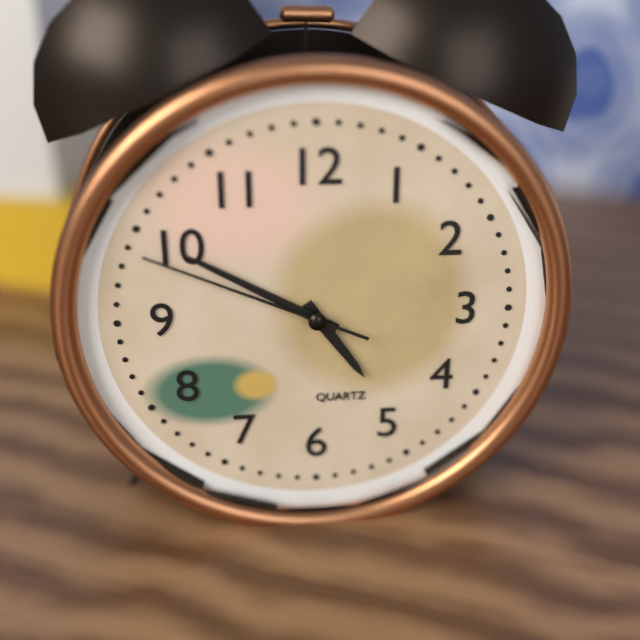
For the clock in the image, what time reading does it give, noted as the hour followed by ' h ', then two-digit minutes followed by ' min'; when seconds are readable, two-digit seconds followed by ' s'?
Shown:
4 h 50 min 49 s
